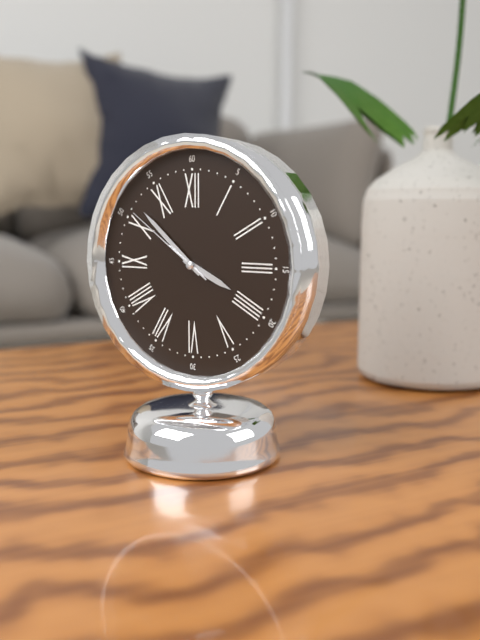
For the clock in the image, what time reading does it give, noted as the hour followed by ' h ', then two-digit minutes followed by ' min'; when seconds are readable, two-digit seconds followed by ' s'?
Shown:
3 h 52 min 51 s
